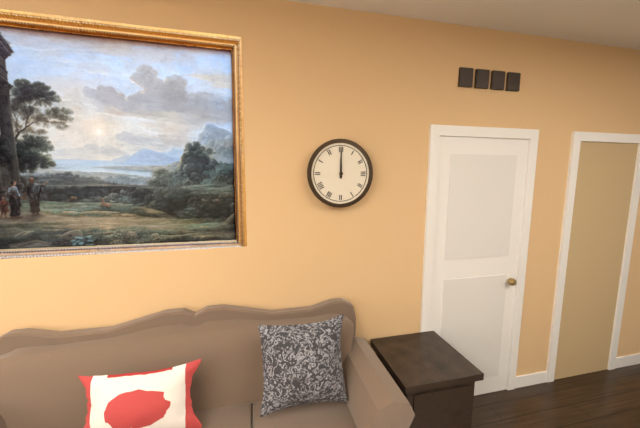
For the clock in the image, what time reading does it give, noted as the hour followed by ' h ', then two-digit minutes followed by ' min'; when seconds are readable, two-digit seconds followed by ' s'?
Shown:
12 h 00 min
